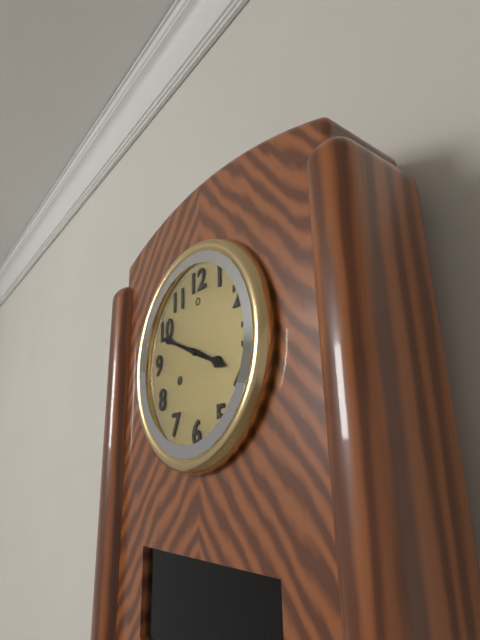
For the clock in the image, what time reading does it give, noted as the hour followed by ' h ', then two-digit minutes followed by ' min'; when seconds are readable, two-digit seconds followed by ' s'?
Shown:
3 h 49 min
